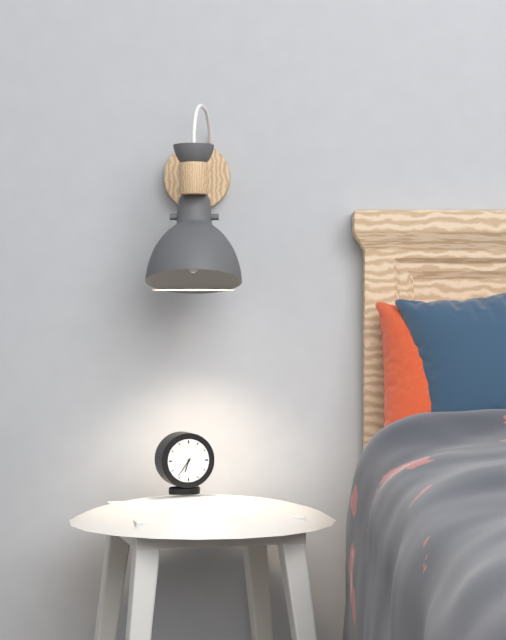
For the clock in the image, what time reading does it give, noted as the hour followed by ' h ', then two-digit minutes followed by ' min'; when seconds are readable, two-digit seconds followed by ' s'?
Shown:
6 h 36 min
